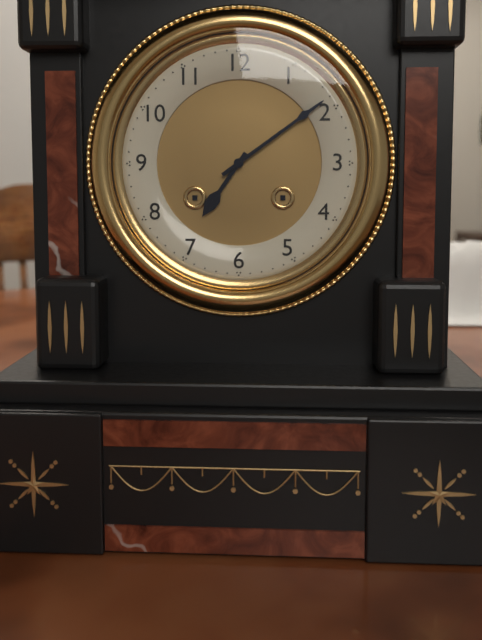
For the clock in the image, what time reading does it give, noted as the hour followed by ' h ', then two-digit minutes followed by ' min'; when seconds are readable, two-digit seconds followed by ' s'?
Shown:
7 h 09 min
